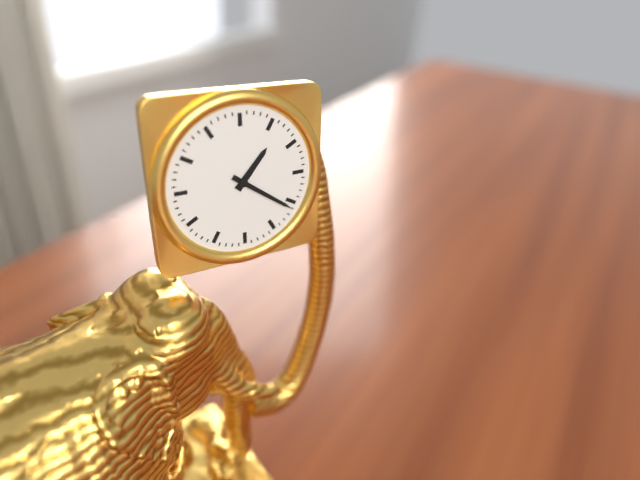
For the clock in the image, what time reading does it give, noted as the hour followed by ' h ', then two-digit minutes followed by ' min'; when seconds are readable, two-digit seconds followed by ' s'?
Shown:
1 h 21 min
